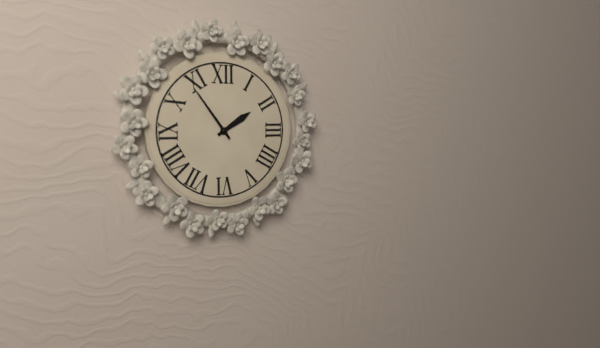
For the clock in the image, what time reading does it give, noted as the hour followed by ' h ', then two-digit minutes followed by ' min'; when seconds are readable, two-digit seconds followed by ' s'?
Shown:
1 h 54 min
